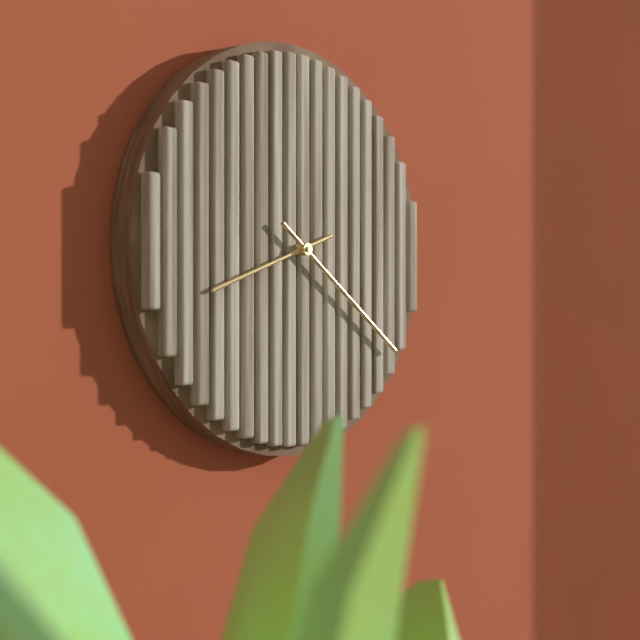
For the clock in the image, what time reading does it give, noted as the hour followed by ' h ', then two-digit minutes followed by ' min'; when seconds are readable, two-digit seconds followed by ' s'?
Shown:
8 h 21 min
